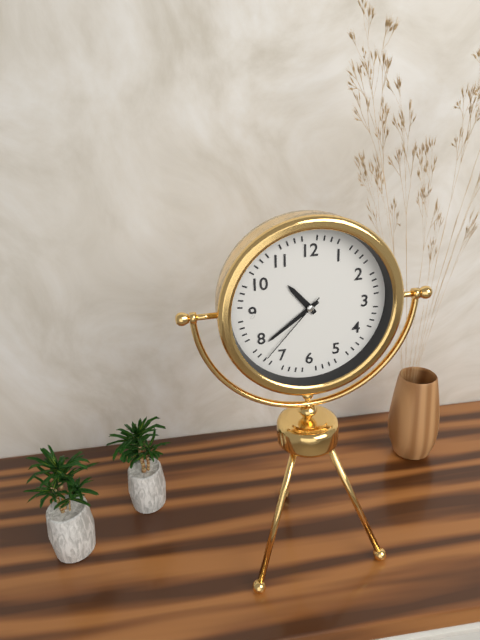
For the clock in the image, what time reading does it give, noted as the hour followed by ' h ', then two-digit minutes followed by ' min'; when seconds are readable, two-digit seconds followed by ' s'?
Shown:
10 h 39 min 37 s
